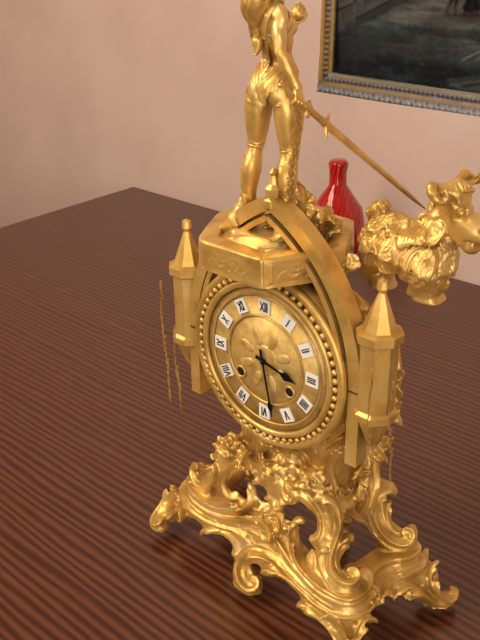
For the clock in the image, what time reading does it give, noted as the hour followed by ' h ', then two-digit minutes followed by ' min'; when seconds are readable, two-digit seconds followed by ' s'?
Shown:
3 h 28 min
